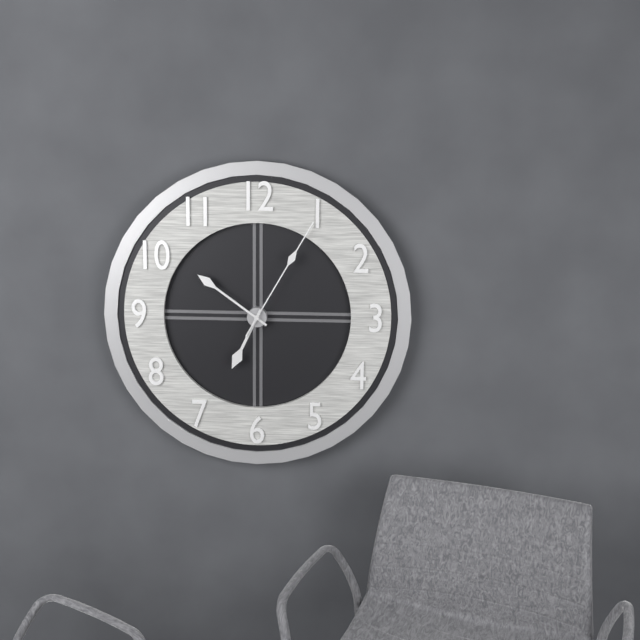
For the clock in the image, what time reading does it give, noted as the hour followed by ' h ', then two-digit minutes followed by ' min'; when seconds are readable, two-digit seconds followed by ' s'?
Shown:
6 h 51 min 05 s
